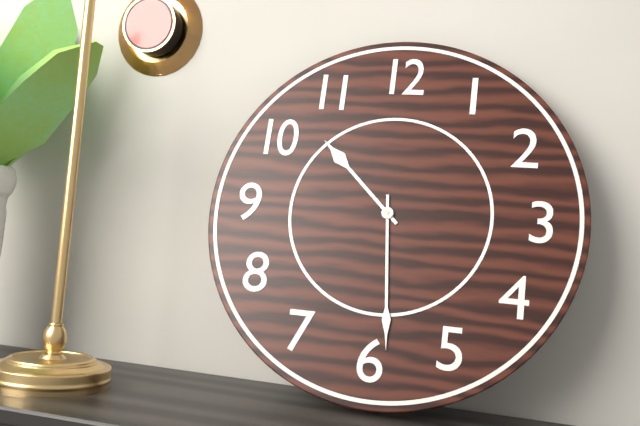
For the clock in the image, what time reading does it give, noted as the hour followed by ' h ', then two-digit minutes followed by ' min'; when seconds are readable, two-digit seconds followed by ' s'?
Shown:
10 h 29 min
